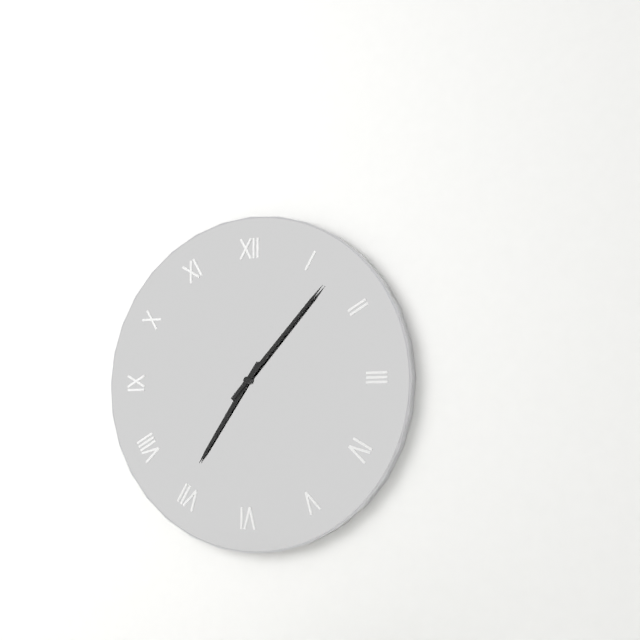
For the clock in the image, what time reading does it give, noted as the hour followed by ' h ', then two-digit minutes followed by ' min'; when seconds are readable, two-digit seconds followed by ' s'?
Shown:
7 h 07 min
